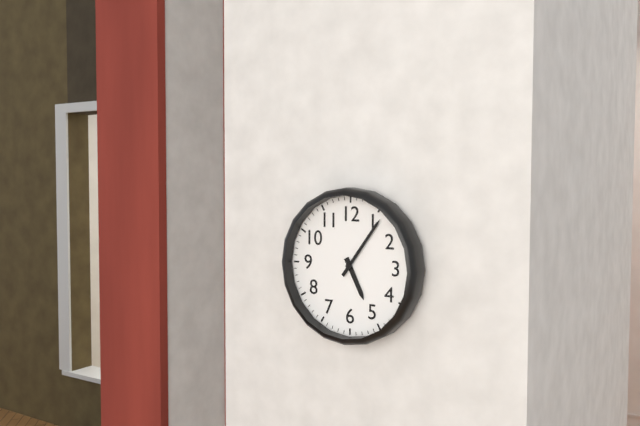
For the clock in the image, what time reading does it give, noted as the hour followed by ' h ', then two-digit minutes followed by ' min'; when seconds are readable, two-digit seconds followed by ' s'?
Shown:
5 h 06 min
